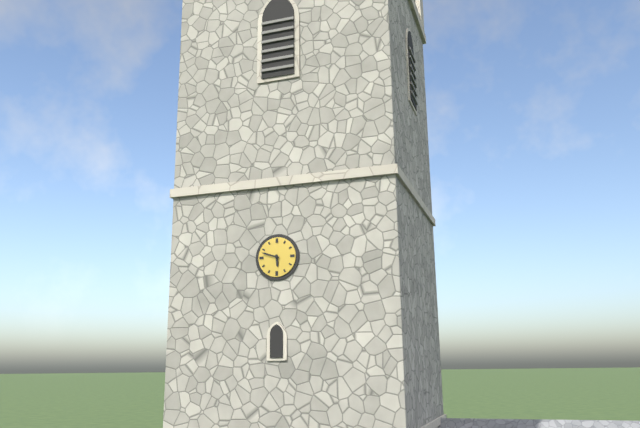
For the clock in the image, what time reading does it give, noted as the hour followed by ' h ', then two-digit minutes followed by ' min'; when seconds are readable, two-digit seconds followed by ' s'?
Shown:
5 h 48 min
